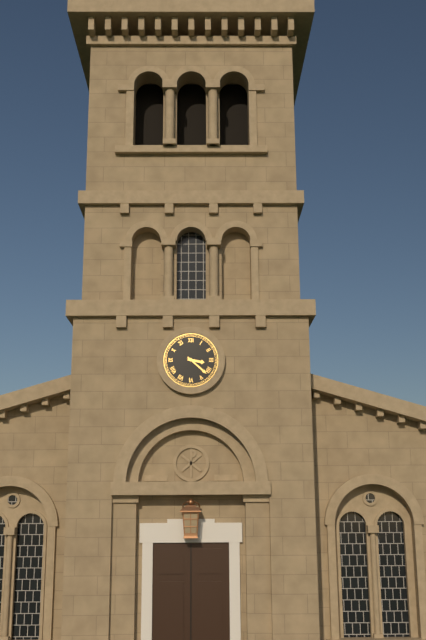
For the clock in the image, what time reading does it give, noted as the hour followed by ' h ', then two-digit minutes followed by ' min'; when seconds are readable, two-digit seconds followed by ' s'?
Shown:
3 h 22 min
